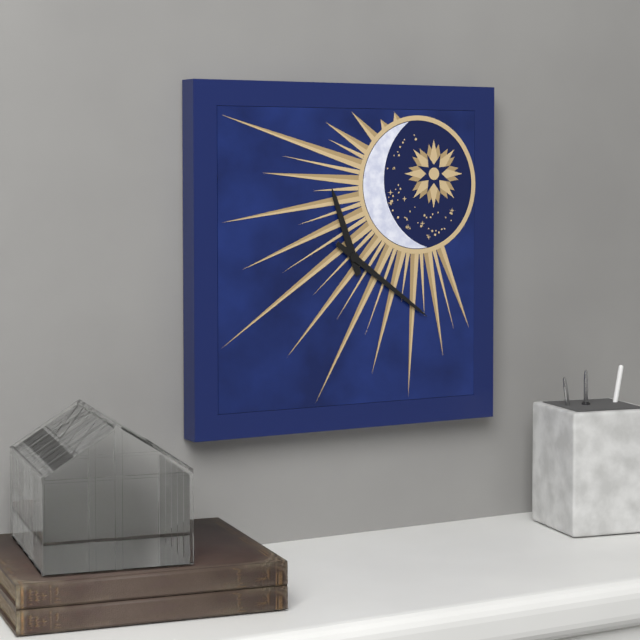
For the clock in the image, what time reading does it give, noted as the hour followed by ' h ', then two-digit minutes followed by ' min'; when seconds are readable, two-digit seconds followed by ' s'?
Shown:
11 h 21 min
